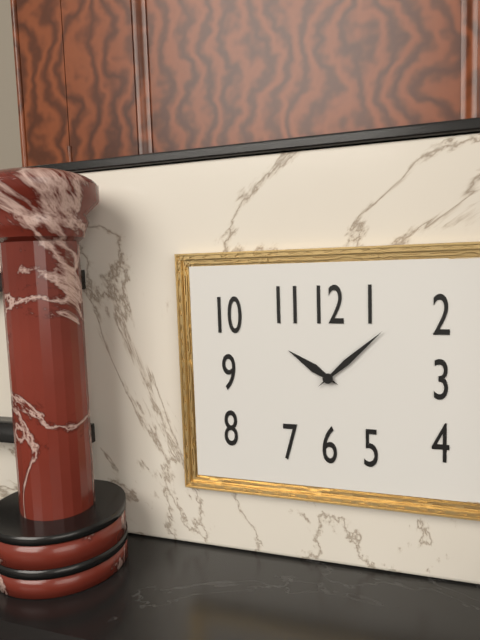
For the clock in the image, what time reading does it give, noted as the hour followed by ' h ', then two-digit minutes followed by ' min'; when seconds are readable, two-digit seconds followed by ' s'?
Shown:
10 h 08 min
